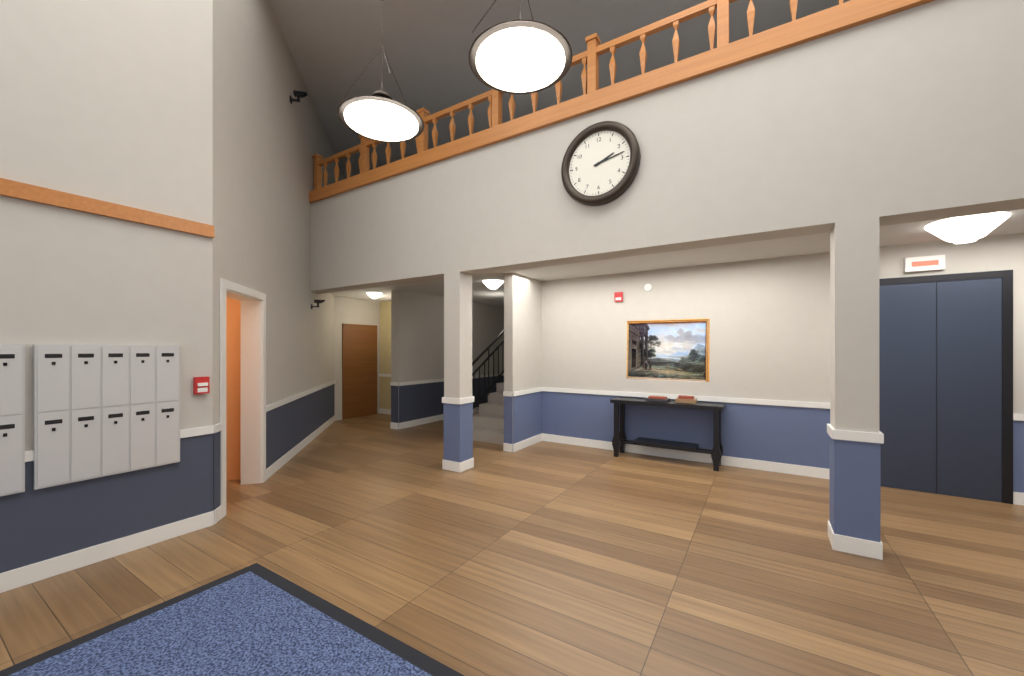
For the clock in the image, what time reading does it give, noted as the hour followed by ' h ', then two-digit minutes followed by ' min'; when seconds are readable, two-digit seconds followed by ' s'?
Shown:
2 h 13 min
